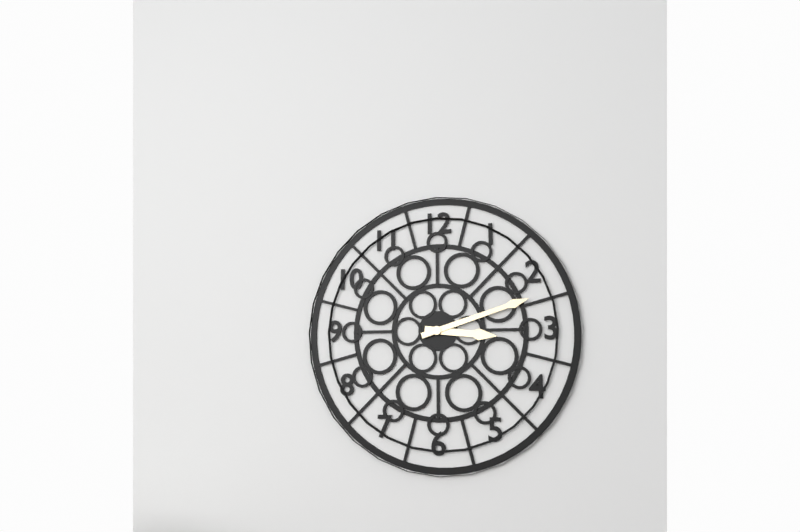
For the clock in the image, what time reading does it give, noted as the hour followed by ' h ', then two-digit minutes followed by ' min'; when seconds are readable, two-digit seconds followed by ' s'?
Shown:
3 h 12 min
